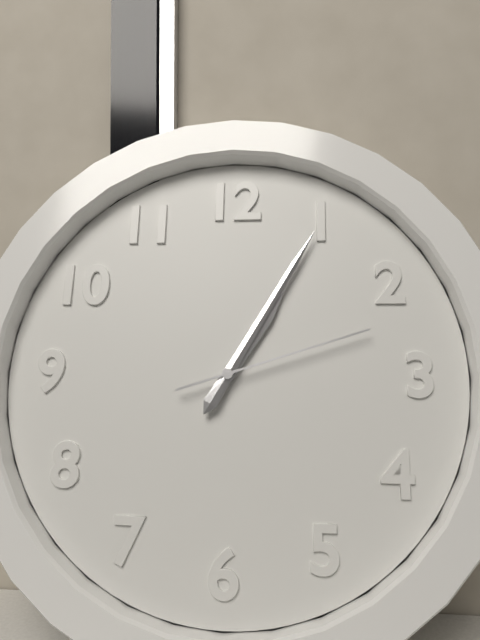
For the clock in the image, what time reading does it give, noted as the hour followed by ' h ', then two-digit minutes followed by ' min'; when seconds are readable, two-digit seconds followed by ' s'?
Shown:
1 h 05 min 12 s
